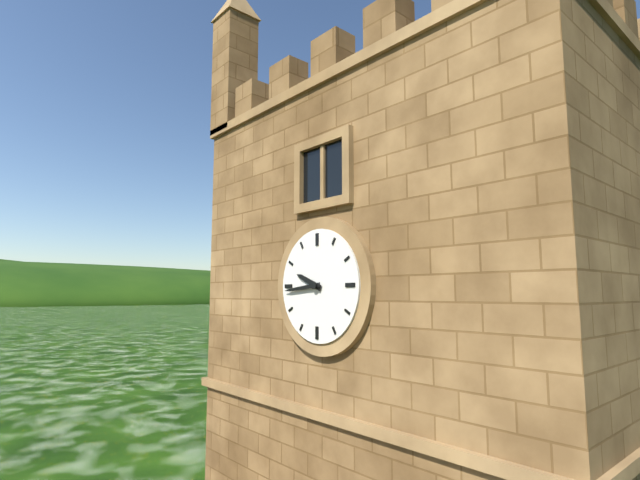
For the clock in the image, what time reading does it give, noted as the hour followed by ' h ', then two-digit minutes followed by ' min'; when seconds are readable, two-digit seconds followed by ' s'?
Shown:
9 h 44 min
